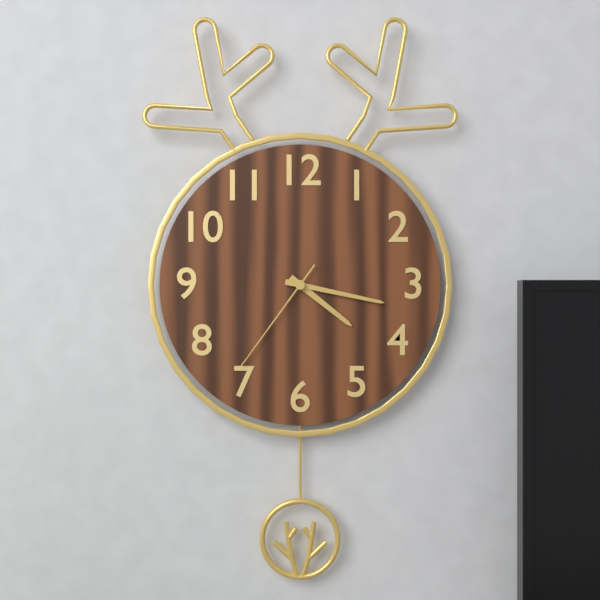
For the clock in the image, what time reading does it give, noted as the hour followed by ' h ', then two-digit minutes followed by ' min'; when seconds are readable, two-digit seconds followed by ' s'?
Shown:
4 h 17 min 36 s
